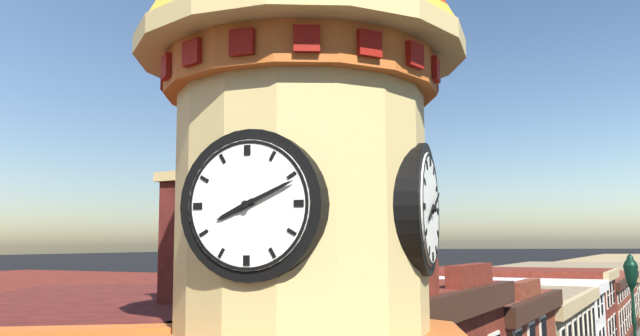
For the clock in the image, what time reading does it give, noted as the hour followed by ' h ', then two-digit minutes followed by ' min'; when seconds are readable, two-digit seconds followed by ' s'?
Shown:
8 h 11 min
